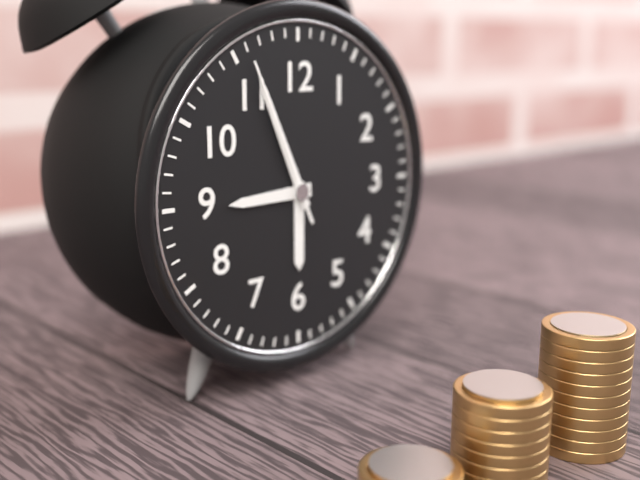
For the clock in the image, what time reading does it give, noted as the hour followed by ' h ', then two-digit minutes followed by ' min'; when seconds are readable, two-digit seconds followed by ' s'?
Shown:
8 h 56 min 56 s
